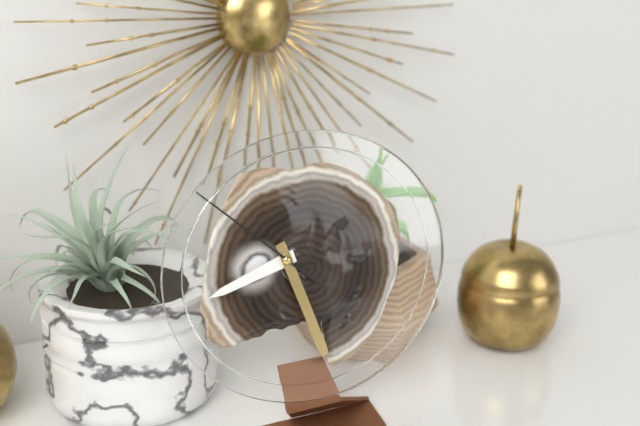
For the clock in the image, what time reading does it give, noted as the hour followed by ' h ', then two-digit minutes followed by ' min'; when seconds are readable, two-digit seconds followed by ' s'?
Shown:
8 h 27 min 52 s
